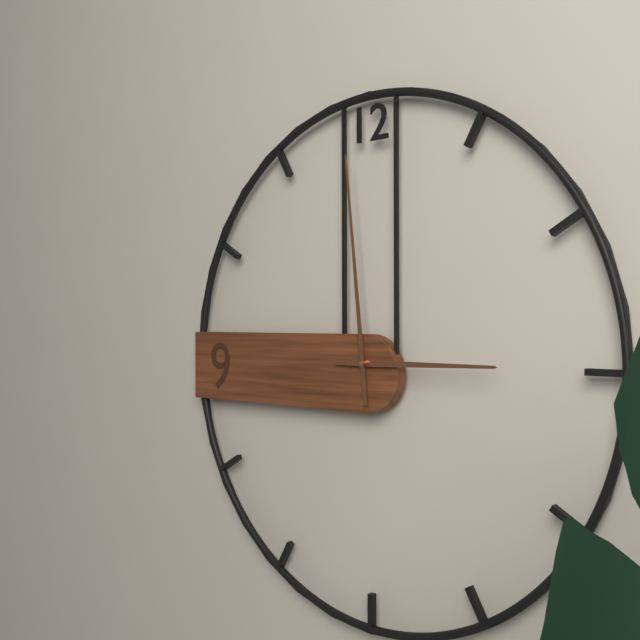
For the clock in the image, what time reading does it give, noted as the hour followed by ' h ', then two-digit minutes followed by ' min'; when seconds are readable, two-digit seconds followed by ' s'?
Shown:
2 h 59 min
